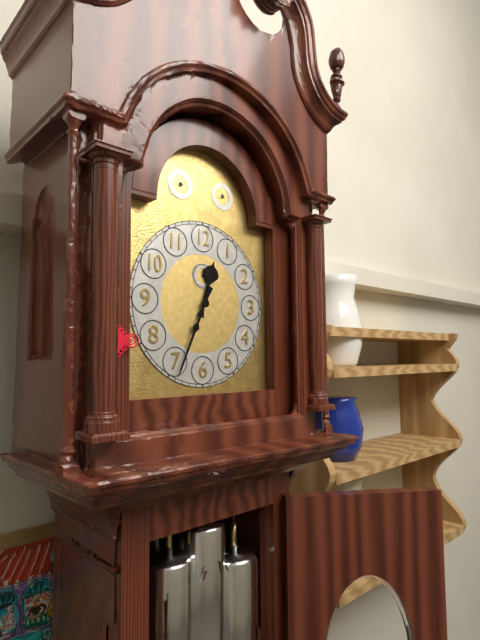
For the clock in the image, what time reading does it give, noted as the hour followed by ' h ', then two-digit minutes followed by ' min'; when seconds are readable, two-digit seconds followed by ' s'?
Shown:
12 h 34 min
